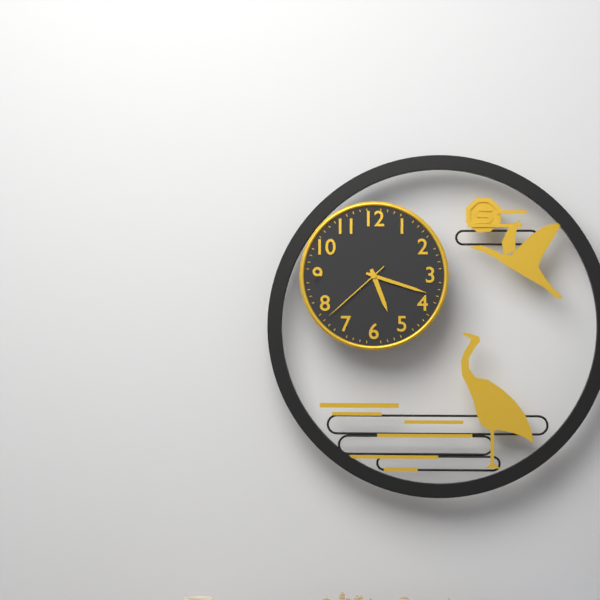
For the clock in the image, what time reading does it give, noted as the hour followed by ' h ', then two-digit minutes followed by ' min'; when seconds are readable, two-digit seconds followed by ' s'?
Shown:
5 h 18 min 38 s
